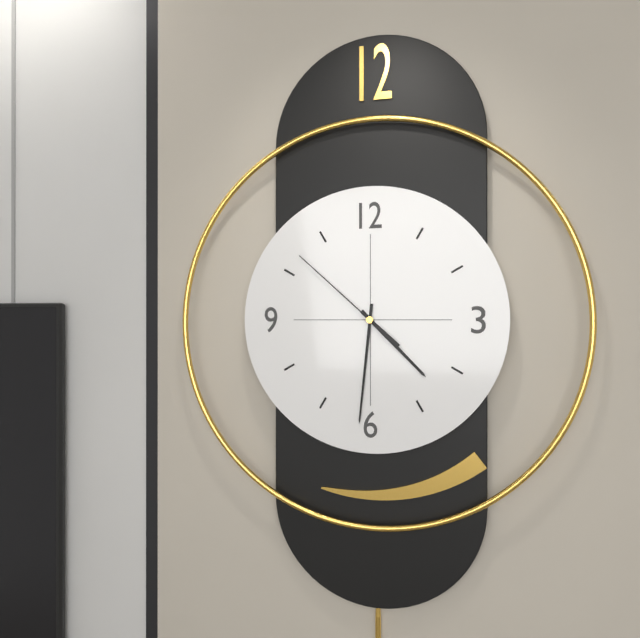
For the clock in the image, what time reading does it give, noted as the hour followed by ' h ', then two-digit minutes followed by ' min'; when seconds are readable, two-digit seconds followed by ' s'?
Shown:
4 h 31 min 52 s
